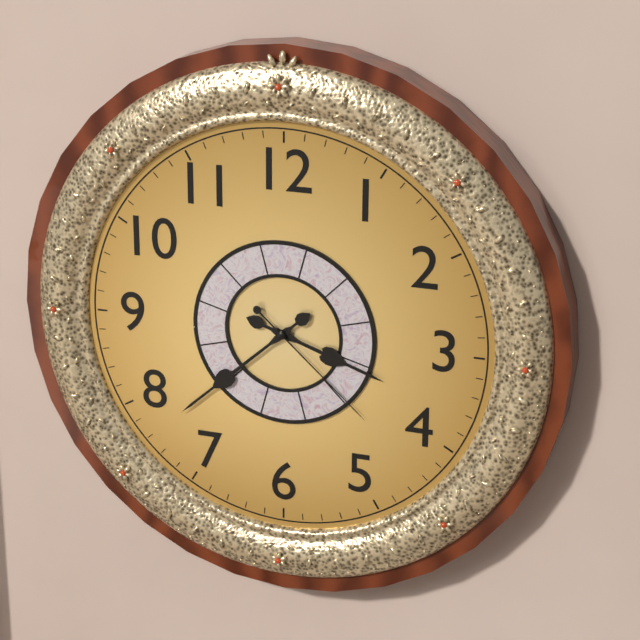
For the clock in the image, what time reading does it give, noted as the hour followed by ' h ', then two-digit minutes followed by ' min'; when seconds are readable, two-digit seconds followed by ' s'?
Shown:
3 h 38 min 22 s
